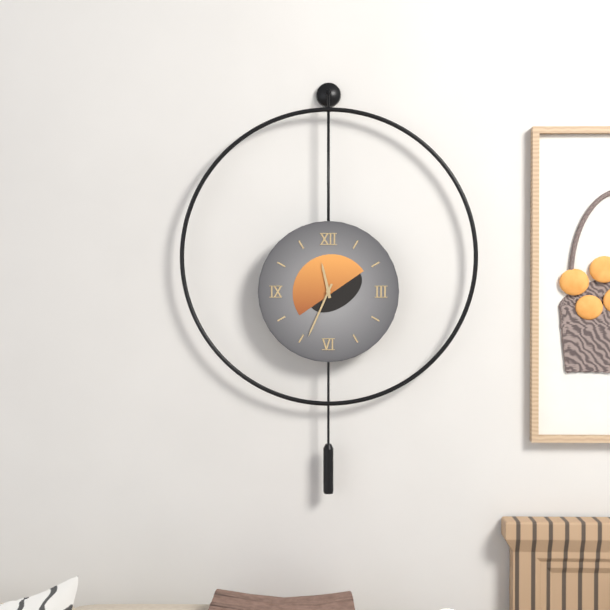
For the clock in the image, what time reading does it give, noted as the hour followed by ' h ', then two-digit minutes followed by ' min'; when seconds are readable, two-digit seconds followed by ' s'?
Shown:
11 h 34 min
